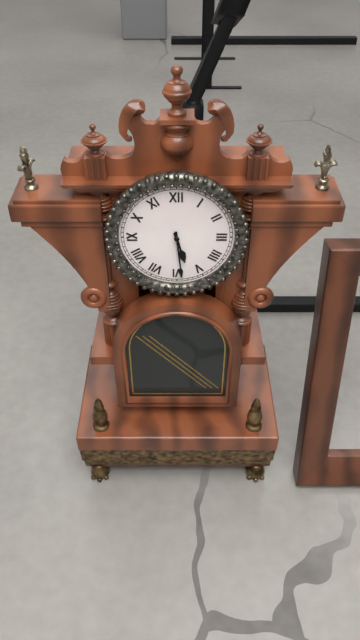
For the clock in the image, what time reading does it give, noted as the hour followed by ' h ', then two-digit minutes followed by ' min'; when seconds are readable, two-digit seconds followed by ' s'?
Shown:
5 h 29 min
